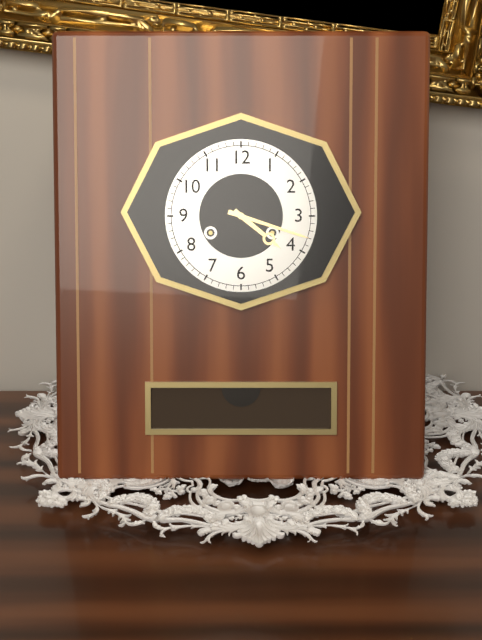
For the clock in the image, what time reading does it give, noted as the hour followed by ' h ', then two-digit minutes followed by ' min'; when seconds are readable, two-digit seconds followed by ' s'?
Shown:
4 h 18 min
